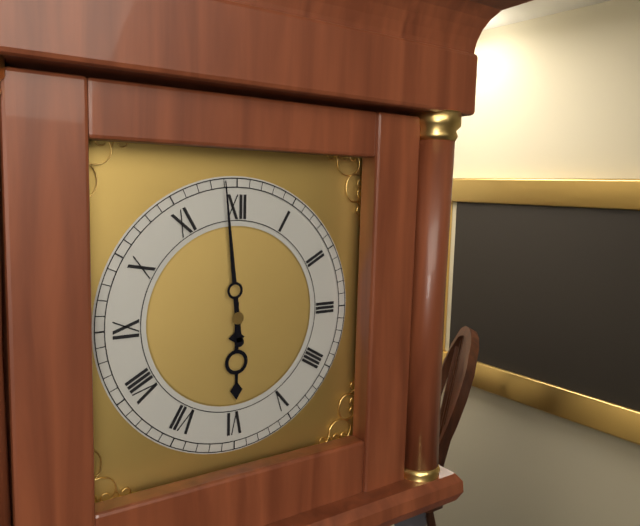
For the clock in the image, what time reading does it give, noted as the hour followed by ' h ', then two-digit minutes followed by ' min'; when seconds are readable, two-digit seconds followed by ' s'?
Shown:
5 h 59 min
